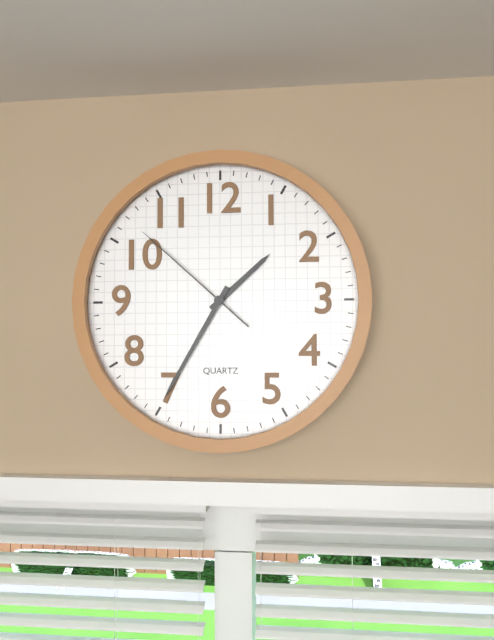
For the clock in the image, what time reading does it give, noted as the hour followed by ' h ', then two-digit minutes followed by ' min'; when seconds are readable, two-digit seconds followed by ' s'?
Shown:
1 h 35 min 52 s
